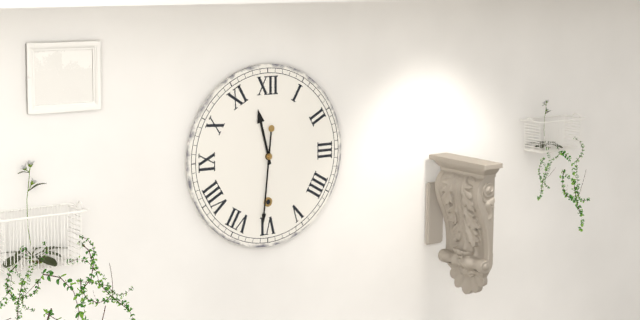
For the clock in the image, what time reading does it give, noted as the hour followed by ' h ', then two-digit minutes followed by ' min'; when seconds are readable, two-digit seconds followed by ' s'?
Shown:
11 h 31 min
